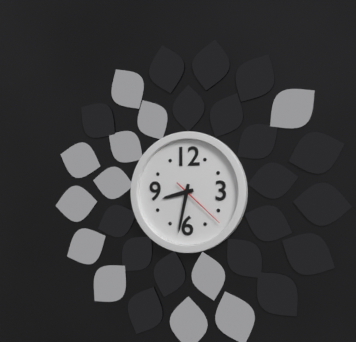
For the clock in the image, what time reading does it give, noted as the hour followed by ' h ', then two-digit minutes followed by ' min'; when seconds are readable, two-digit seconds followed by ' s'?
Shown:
8 h 32 min 22 s
